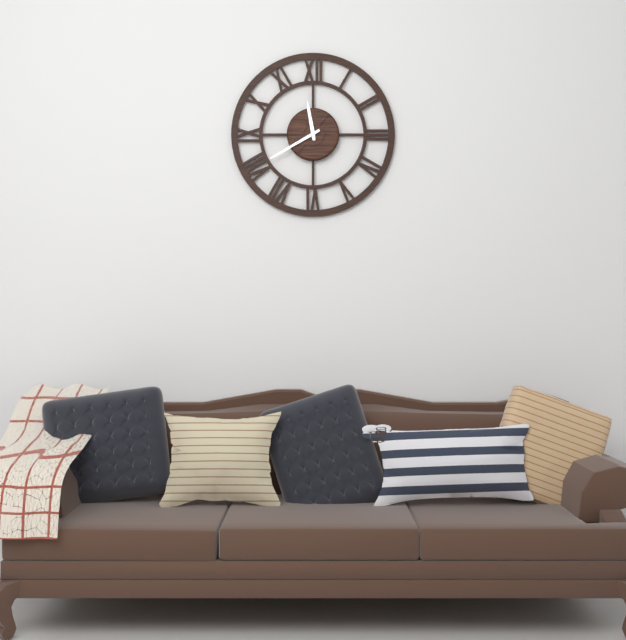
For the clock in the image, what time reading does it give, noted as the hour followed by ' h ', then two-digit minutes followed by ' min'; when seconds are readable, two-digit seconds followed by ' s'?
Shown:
11 h 40 min
